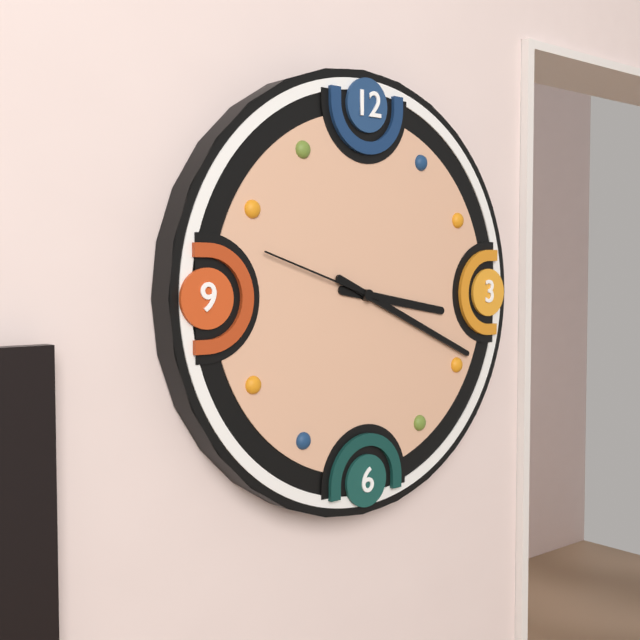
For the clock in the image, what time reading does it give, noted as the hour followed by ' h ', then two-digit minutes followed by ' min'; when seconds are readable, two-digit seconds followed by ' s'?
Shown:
3 h 19 min 48 s
